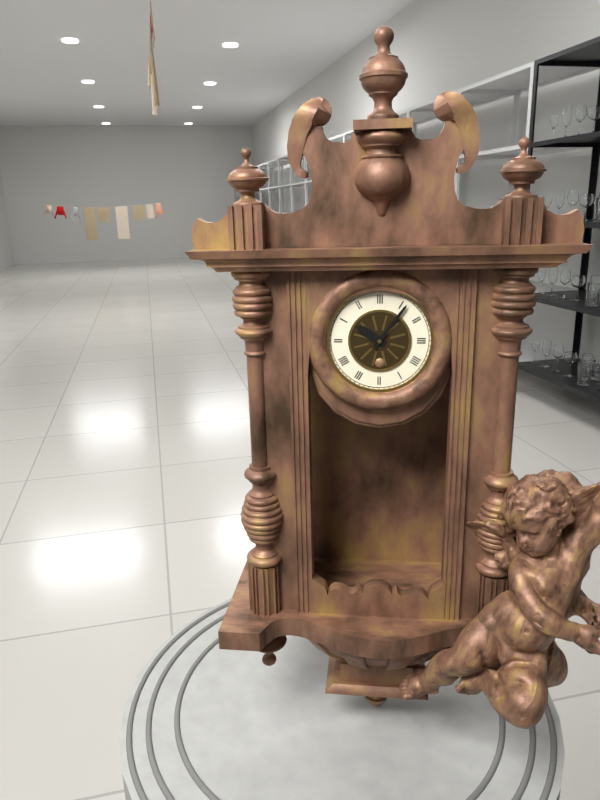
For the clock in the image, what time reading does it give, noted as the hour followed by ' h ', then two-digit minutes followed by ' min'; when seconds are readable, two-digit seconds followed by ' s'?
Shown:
10 h 06 min
